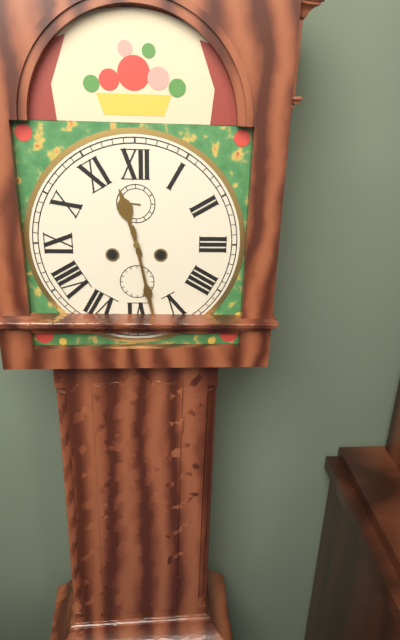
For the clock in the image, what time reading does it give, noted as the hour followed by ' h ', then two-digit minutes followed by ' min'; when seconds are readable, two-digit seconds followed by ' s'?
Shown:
11 h 28 min
